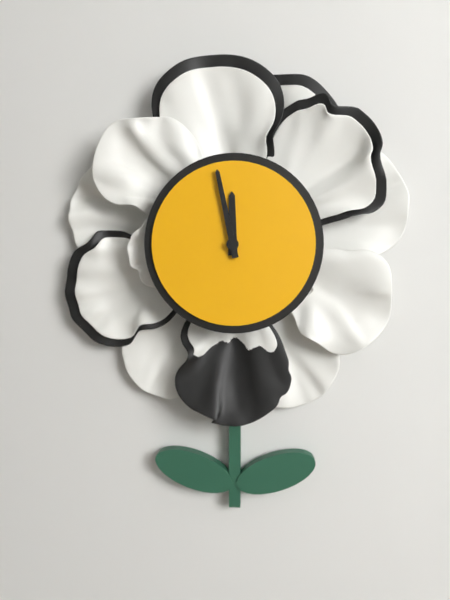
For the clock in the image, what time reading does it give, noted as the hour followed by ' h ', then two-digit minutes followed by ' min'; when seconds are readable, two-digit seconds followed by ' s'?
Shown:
11 h 58 min
